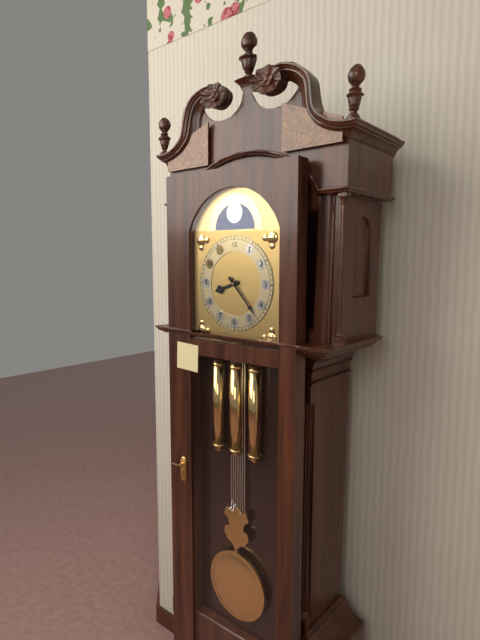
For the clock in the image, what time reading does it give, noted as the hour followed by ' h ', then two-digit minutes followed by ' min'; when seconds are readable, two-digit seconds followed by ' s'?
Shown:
8 h 23 min
